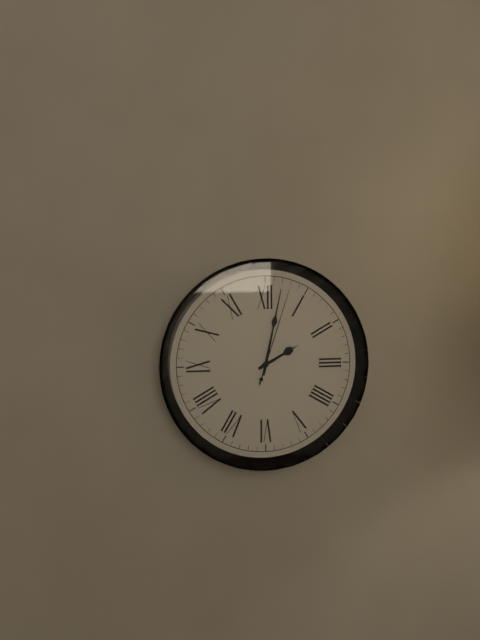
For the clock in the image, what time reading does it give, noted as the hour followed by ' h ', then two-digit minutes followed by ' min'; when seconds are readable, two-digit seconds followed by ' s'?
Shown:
2 h 02 min 03 s
